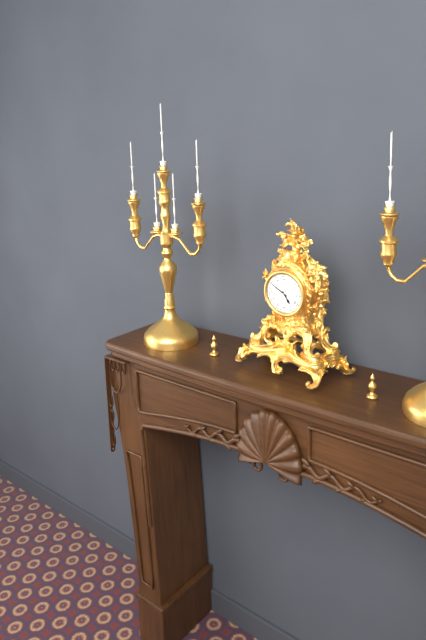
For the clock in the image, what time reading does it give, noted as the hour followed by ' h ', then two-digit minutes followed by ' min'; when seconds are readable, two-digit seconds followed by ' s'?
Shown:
4 h 50 min
